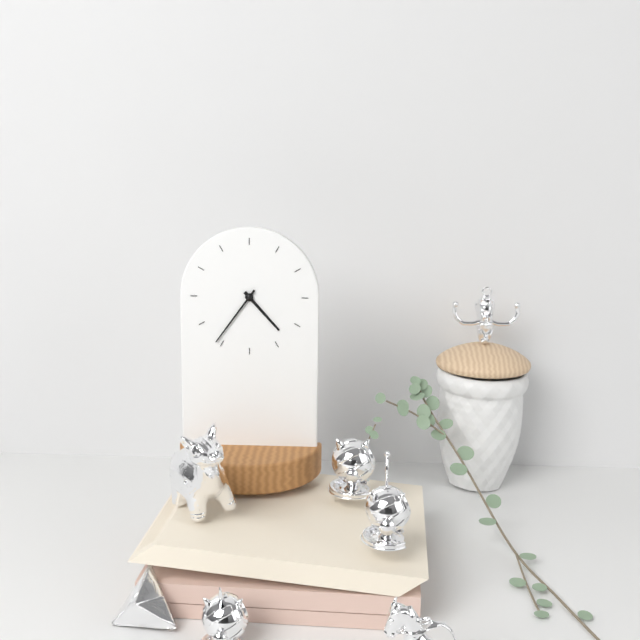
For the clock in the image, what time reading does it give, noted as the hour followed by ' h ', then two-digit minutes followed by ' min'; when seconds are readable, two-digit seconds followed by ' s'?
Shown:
4 h 36 min
